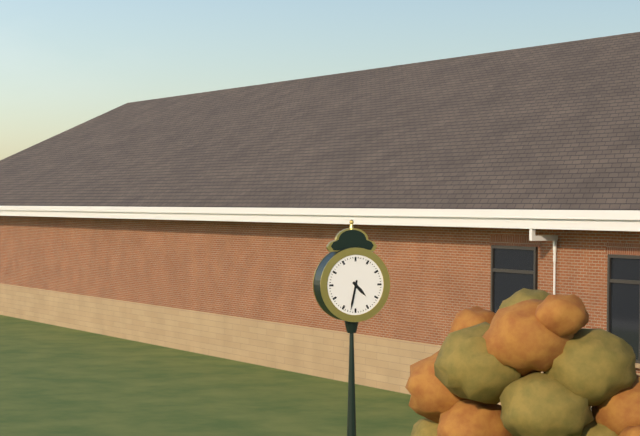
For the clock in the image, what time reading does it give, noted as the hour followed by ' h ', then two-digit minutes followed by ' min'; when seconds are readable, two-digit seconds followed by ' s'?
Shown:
4 h 32 min
